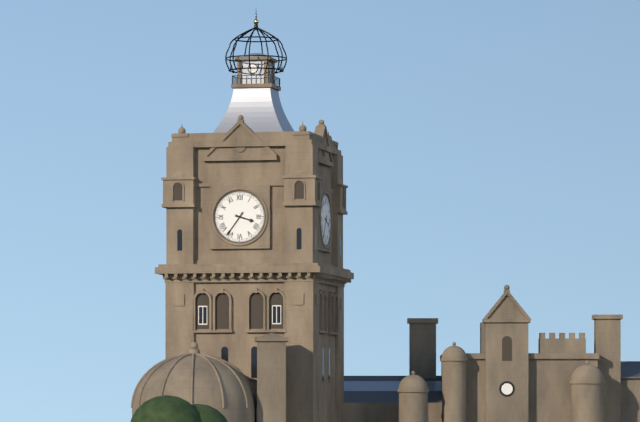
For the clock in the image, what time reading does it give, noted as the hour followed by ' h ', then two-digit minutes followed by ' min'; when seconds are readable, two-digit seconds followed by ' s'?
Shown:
3 h 36 min
